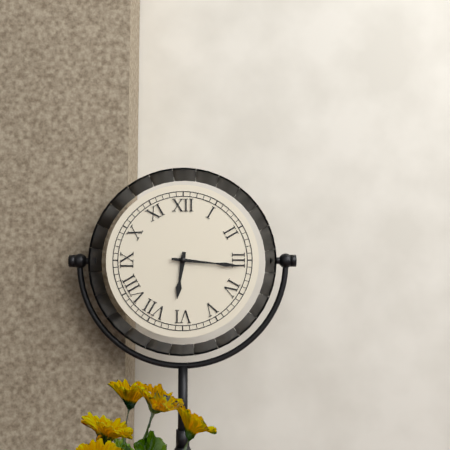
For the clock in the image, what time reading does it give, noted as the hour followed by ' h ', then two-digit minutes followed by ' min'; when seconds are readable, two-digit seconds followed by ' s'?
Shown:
6 h 16 min
